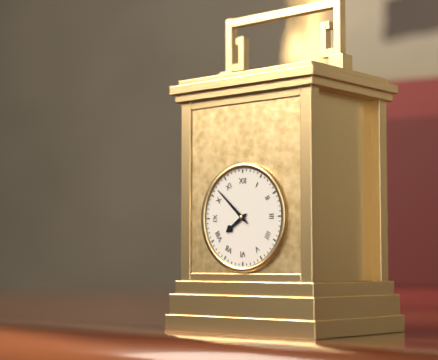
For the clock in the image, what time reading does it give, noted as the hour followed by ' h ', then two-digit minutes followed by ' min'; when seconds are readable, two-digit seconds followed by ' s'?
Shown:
7 h 52 min
